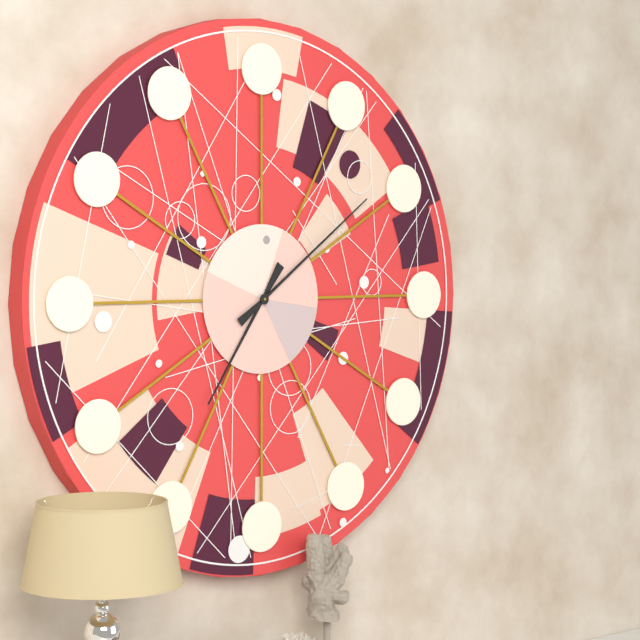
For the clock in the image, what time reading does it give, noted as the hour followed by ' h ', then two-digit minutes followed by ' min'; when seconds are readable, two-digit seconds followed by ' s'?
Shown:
7 h 09 min
